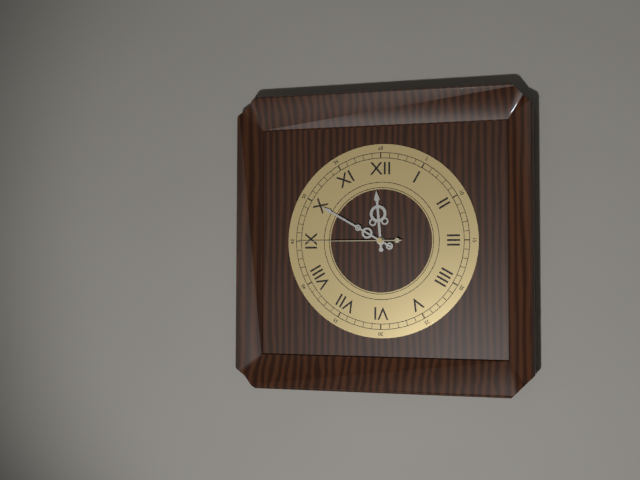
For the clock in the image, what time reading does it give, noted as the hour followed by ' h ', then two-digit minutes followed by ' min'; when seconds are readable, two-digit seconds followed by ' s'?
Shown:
11 h 50 min 45 s
